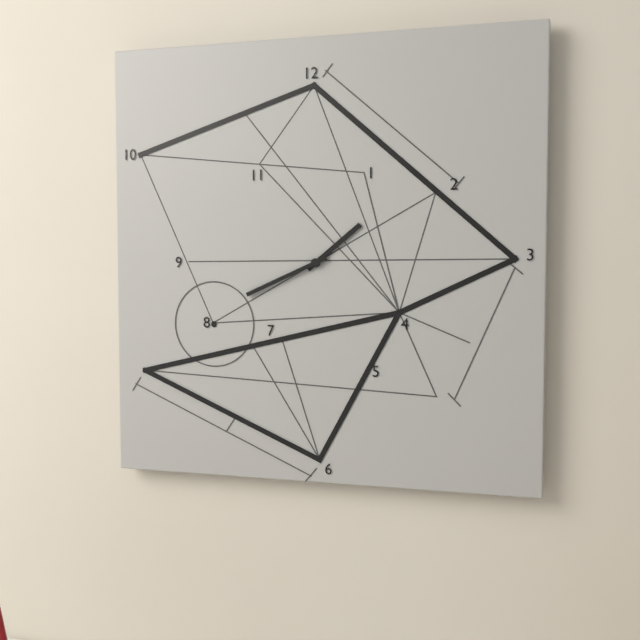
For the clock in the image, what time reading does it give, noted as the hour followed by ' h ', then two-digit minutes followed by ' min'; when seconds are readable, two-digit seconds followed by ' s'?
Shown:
1 h 41 min
